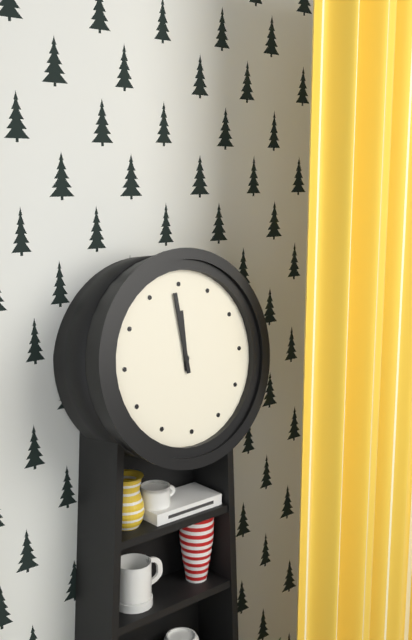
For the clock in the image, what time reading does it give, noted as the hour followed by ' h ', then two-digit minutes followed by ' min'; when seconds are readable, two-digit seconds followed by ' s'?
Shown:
11 h 59 min
